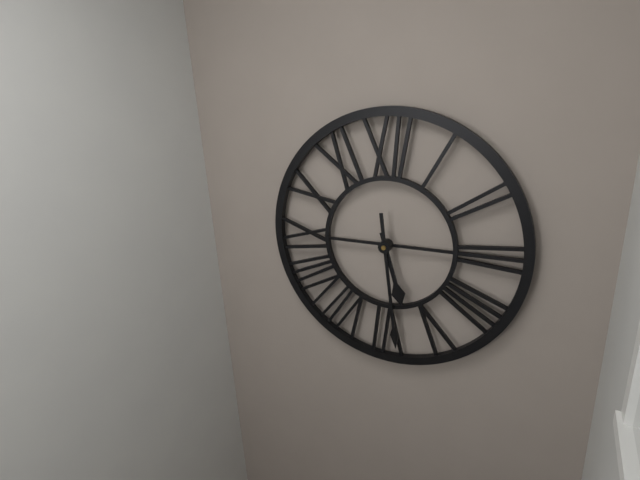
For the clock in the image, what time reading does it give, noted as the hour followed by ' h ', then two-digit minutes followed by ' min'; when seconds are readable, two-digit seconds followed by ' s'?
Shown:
5 h 29 min
